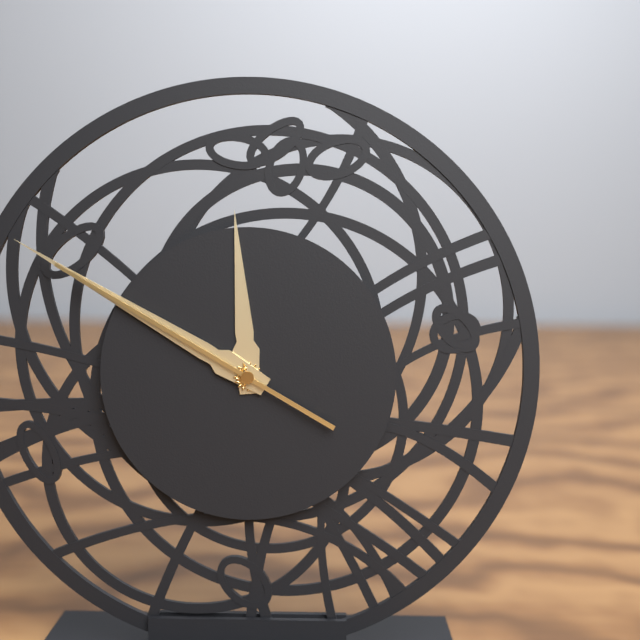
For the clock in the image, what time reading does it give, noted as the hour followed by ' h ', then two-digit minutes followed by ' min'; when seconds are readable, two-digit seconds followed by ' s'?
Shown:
11 h 50 min 50 s
